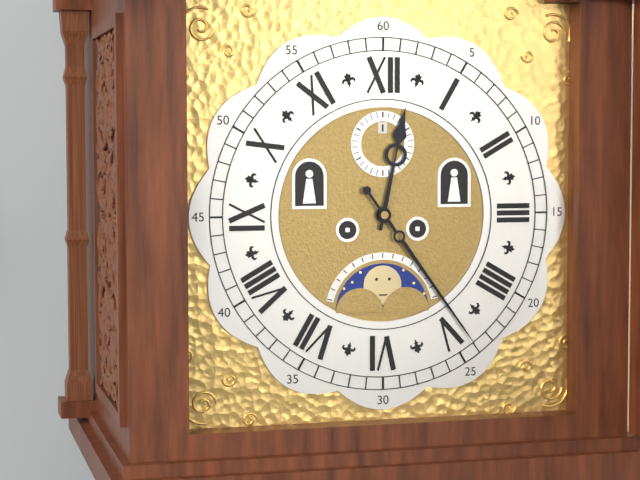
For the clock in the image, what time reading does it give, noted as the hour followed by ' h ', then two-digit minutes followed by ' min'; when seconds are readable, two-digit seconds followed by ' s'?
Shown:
12 h 24 min
